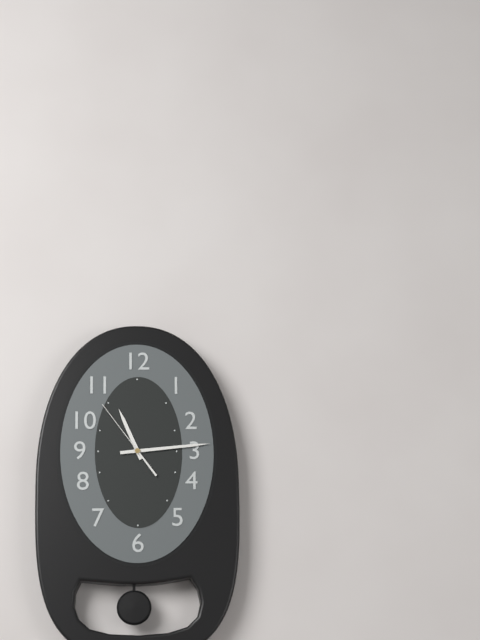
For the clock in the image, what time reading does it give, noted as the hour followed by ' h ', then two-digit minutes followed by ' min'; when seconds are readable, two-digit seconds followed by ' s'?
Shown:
11 h 14 min 54 s
